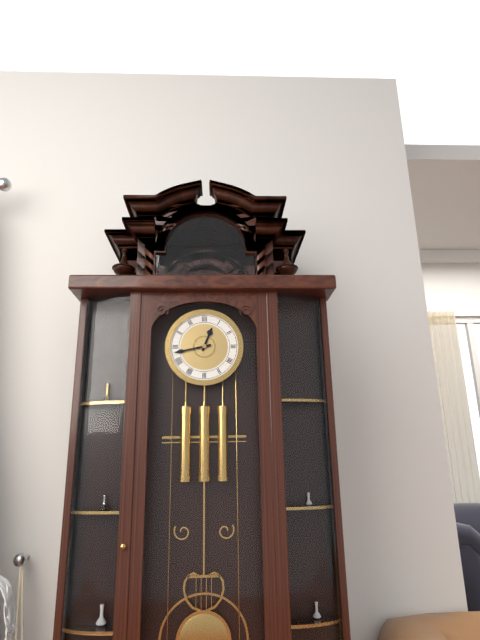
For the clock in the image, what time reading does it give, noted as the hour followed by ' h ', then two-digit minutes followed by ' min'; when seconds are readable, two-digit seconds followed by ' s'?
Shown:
12 h 43 min
